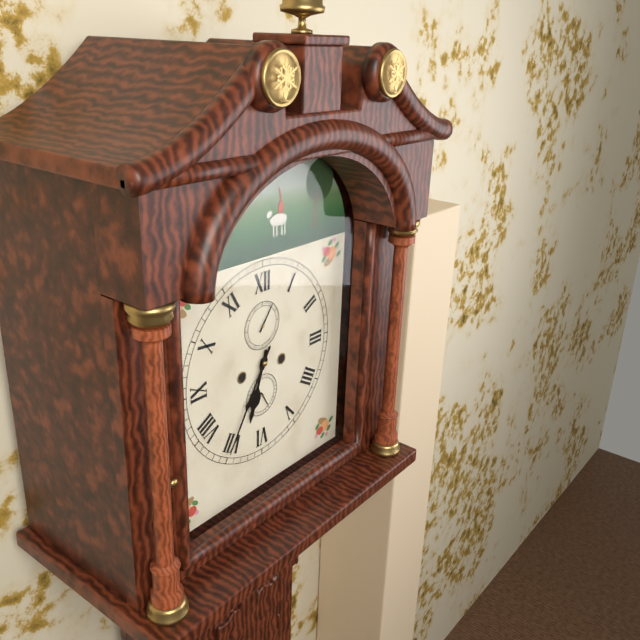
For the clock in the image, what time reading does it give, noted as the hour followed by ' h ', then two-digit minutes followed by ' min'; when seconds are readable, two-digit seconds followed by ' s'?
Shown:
6 h 35 min
